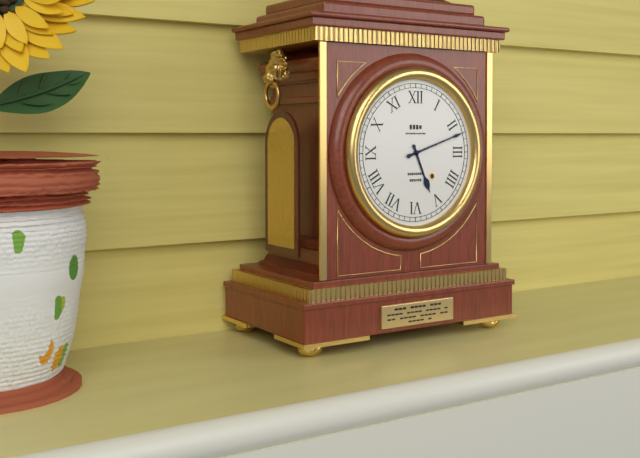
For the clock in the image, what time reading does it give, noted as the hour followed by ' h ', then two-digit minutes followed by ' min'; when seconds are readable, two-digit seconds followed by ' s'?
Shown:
5 h 12 min
